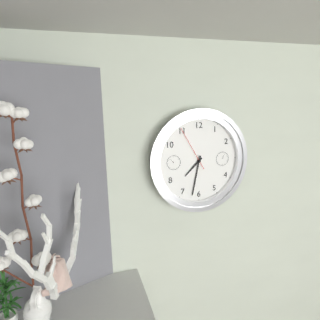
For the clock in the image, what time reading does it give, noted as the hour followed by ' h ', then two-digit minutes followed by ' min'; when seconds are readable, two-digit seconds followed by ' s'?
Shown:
7 h 32 min
